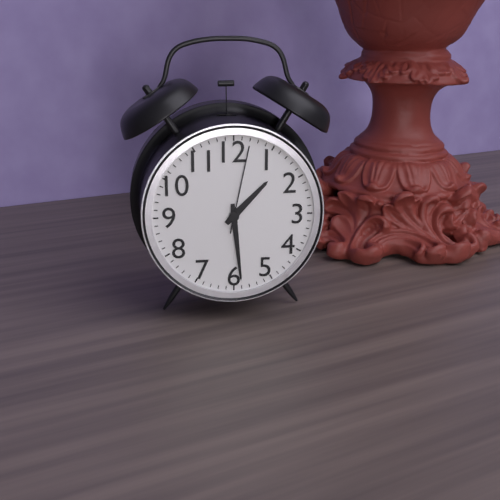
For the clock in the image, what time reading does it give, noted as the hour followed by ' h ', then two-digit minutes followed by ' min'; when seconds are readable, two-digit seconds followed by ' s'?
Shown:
1 h 29 min 02 s
